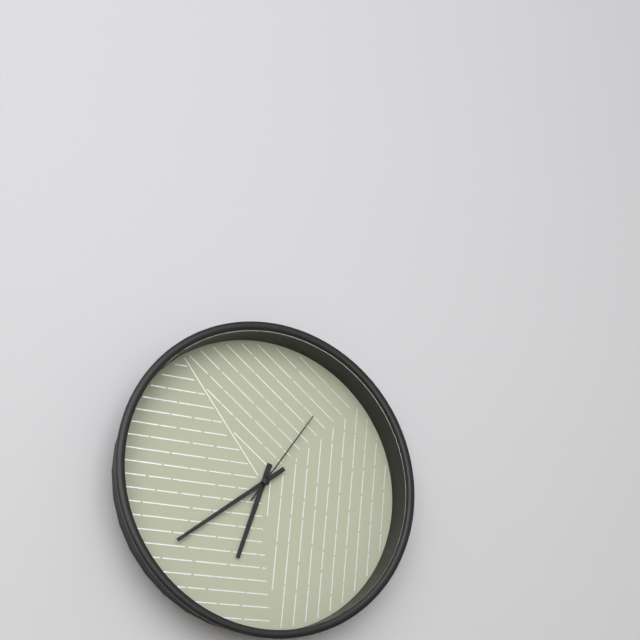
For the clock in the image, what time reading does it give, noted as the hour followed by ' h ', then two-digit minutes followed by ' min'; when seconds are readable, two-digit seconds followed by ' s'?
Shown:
6 h 39 min 06 s
